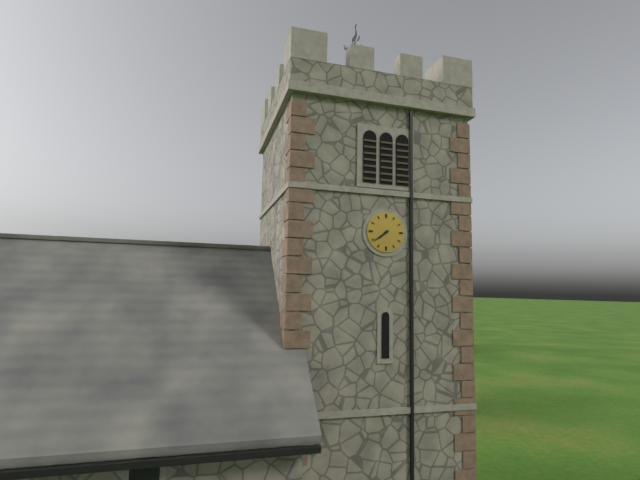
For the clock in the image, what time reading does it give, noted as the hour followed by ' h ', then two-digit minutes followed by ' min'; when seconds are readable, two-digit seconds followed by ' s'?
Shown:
7 h 39 min
